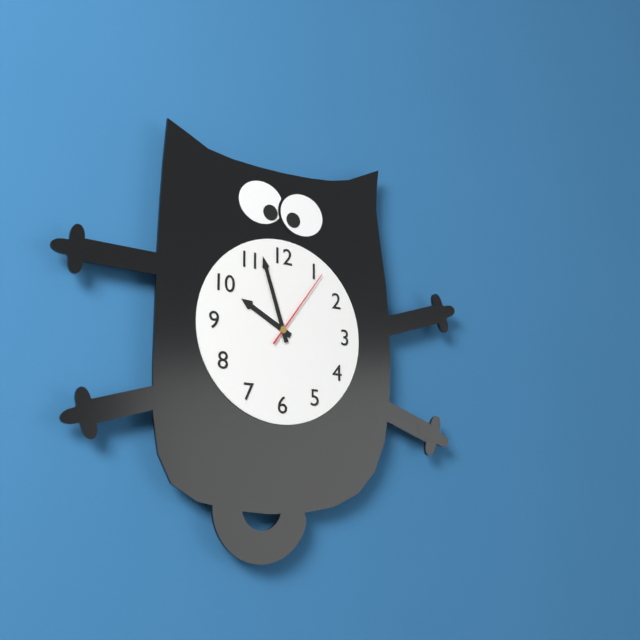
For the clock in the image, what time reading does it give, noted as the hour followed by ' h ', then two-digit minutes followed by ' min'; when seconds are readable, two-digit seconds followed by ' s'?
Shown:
9 h 57 min 06 s
